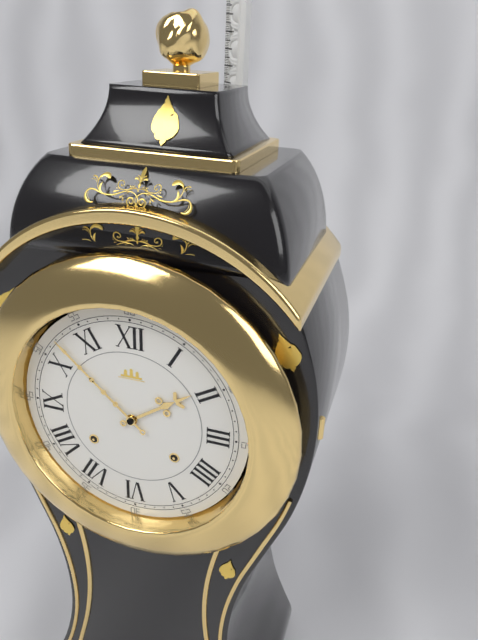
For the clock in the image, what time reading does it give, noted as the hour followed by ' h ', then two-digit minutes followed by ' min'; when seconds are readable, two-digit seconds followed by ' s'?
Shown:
1 h 52 min
